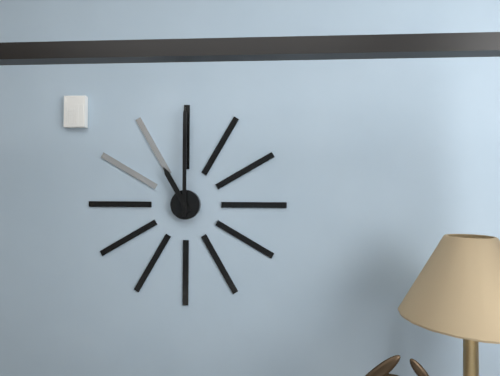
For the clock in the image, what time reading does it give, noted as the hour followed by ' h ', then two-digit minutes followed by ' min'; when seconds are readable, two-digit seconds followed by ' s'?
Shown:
11 h 00 min
